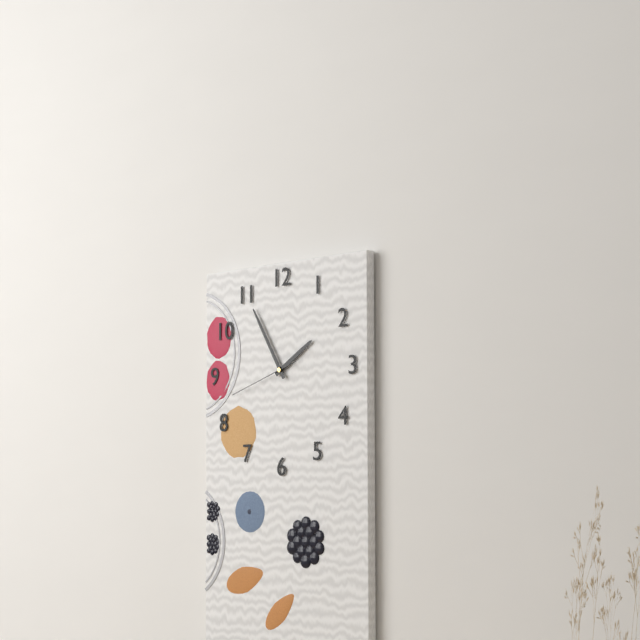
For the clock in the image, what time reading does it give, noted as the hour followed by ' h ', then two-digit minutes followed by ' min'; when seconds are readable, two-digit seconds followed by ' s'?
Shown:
1 h 55 min 42 s
